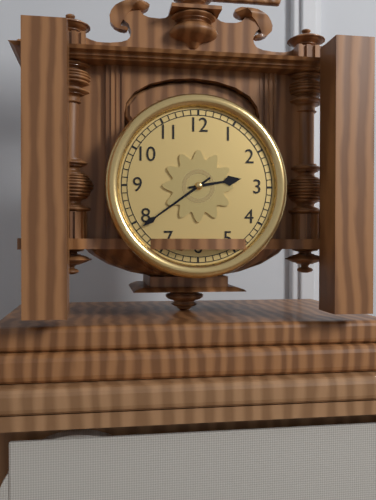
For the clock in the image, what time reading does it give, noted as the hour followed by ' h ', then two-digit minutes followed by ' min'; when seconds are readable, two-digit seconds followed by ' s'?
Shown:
2 h 39 min
